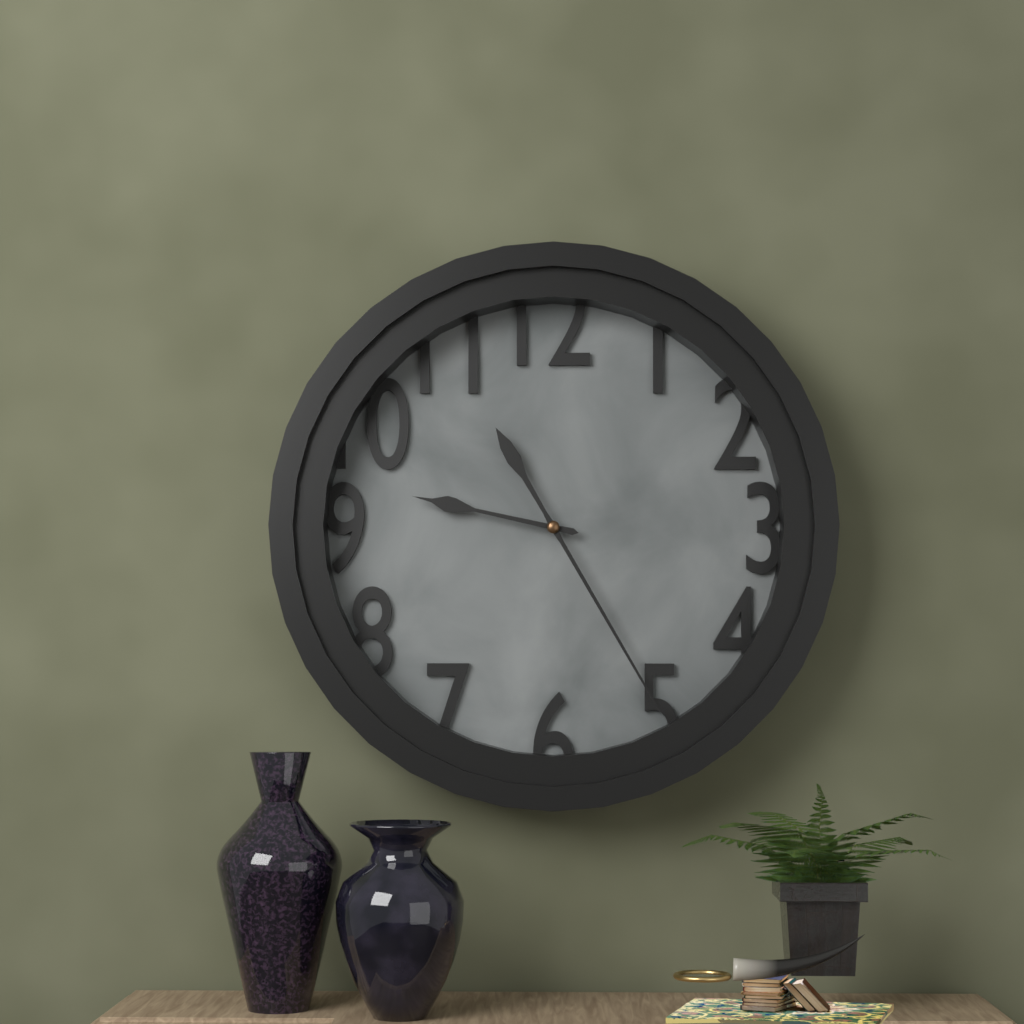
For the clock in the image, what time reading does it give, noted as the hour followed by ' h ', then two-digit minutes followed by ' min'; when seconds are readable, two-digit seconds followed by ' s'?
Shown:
9 h 25 min
